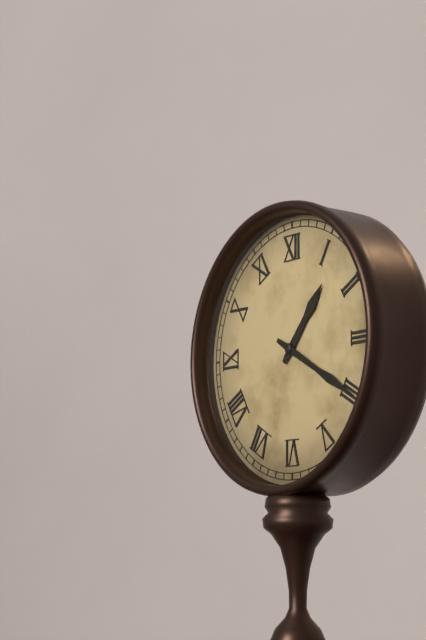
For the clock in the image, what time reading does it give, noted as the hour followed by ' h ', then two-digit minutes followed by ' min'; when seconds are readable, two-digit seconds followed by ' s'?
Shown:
1 h 20 min
